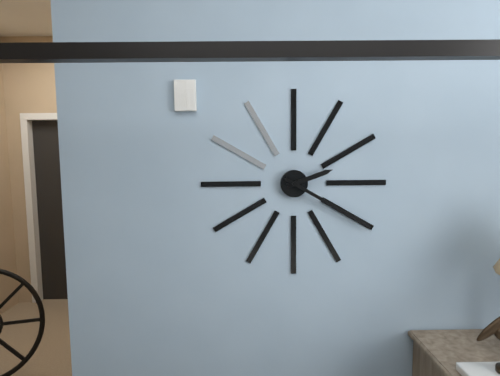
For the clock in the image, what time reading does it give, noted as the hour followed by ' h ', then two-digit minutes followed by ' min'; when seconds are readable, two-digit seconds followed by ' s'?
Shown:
2 h 20 min
